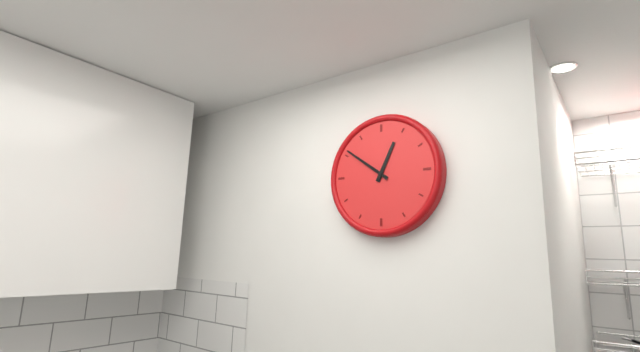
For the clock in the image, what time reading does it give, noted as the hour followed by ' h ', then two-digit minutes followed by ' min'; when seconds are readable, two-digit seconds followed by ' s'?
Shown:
12 h 51 min
